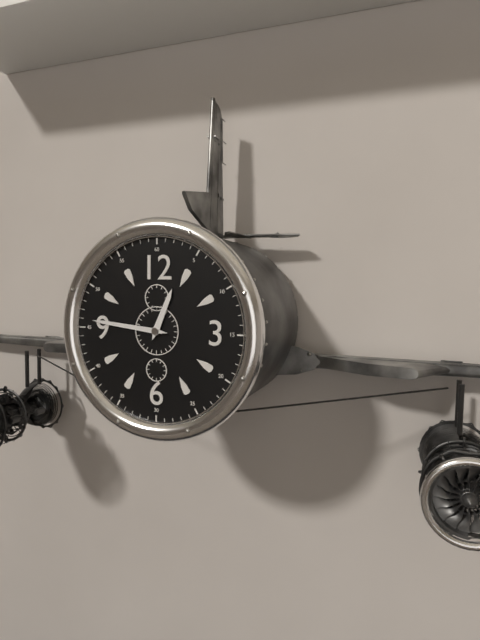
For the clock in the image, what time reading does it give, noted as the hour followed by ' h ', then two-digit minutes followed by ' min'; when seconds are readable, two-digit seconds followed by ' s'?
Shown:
12 h 46 min
